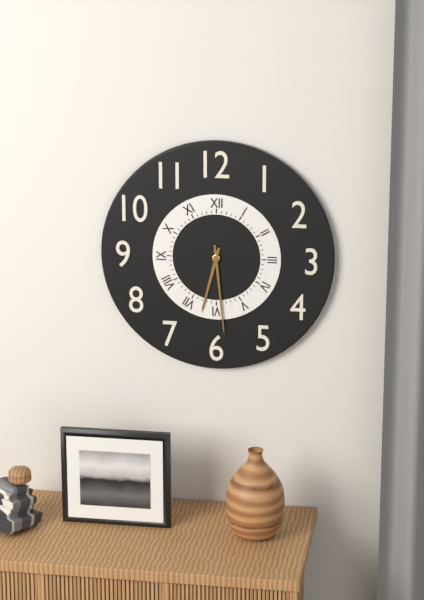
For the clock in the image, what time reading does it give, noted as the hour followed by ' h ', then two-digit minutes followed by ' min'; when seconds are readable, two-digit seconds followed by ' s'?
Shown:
6 h 29 min
